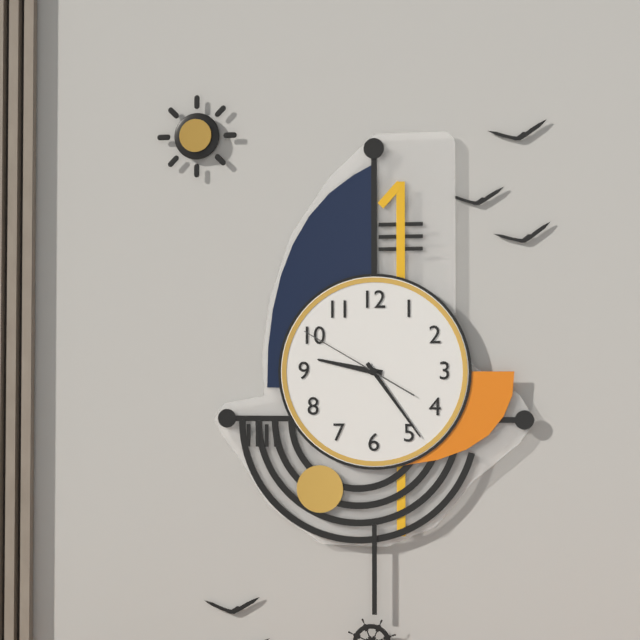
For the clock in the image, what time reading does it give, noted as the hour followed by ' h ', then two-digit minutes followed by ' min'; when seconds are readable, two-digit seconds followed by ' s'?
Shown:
9 h 24 min 50 s
